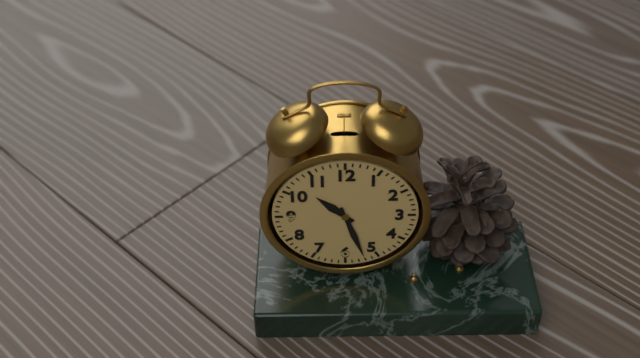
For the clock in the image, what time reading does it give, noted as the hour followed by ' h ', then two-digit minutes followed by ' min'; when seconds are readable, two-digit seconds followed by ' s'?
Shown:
10 h 27 min
